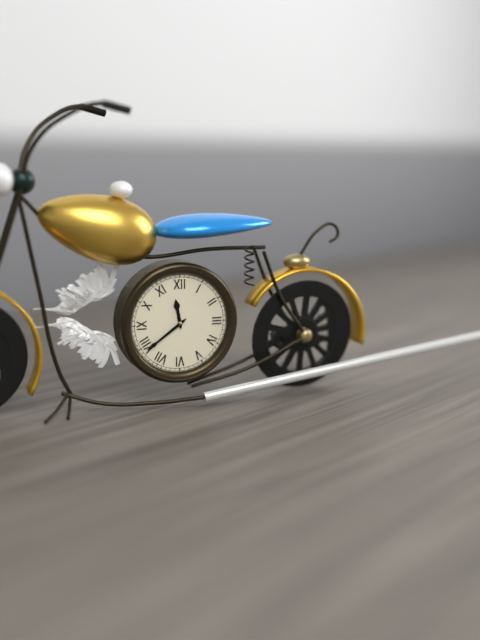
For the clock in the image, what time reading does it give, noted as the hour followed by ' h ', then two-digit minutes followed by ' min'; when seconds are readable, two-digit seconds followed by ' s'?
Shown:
11 h 39 min
